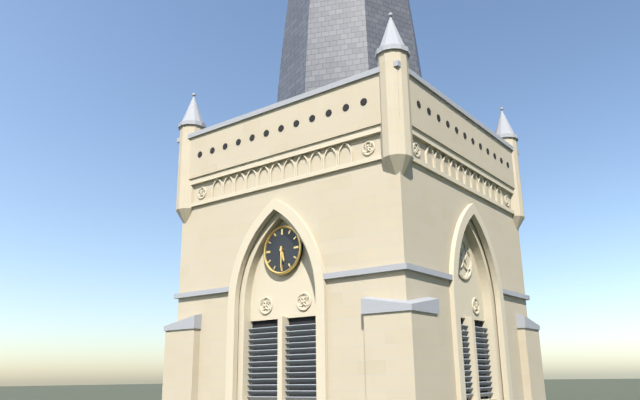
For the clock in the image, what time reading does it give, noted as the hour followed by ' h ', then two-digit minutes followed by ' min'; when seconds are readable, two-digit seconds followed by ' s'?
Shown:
5 h 30 min
